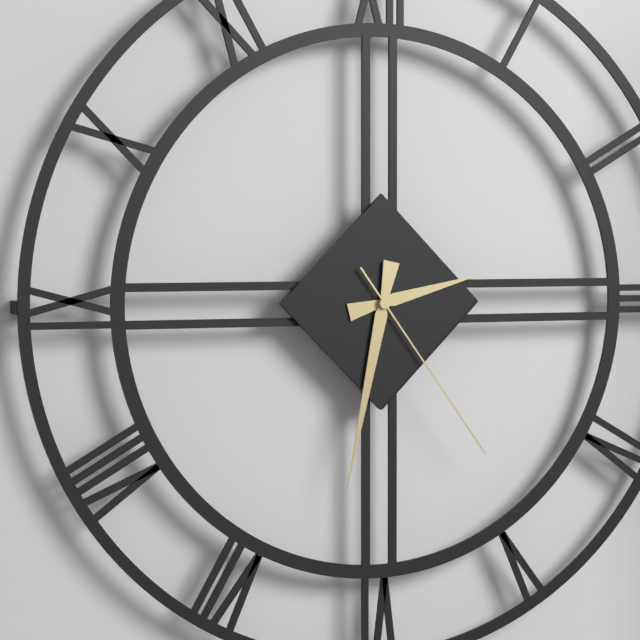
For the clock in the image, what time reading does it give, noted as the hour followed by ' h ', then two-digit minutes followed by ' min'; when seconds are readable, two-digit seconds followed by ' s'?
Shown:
2 h 32 min 24 s
